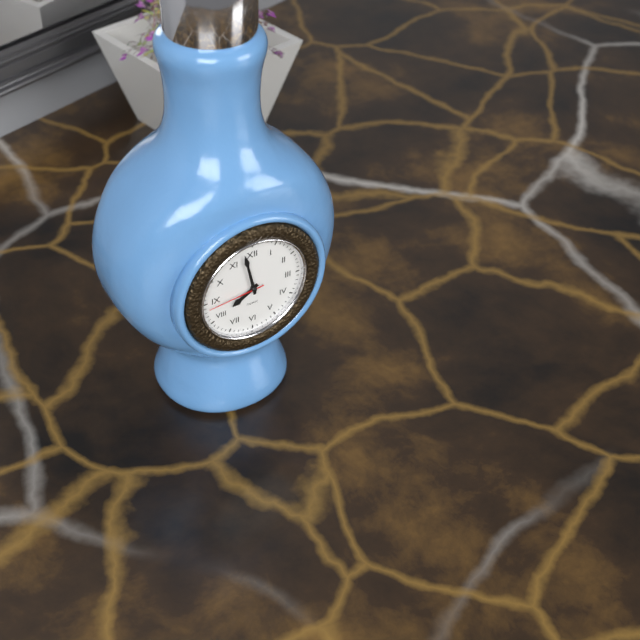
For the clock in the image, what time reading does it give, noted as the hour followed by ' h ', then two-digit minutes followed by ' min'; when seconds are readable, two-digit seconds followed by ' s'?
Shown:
7 h 58 min 44 s
